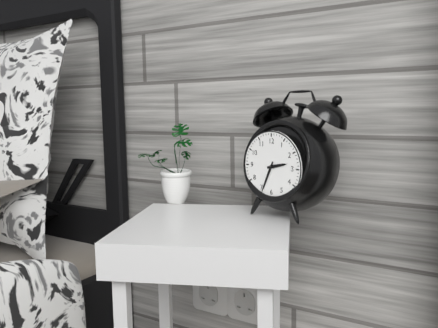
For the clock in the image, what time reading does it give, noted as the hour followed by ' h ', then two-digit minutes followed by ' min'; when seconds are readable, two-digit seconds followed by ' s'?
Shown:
2 h 34 min
